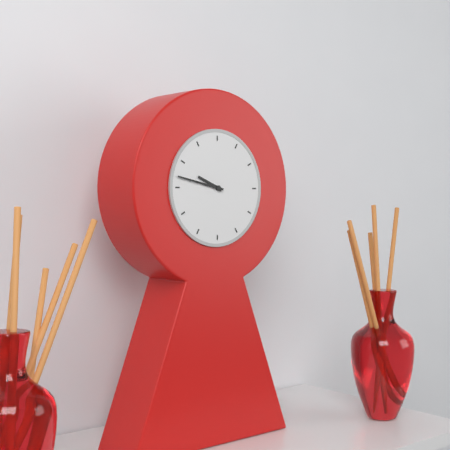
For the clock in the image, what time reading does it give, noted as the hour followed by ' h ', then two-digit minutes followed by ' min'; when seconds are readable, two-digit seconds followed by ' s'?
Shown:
9 h 47 min
